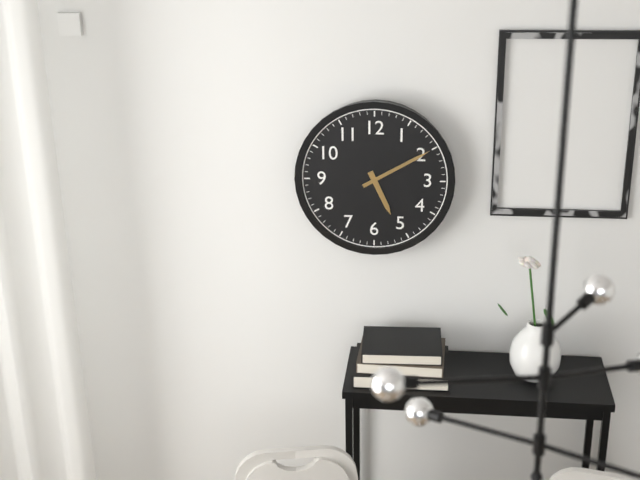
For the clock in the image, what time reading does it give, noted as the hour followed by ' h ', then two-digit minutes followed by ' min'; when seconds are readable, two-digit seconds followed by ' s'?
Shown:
5 h 10 min
